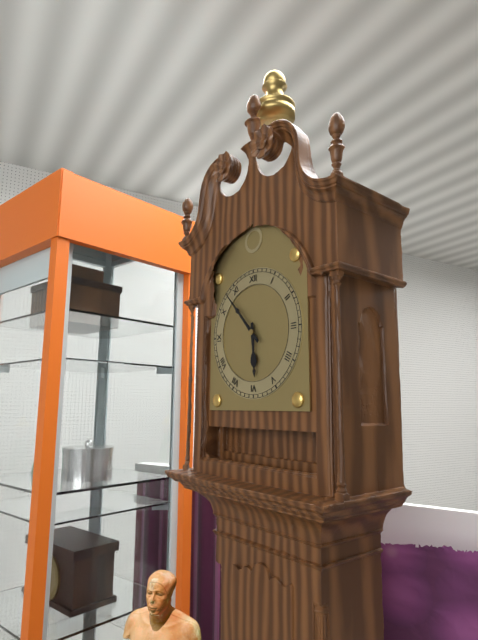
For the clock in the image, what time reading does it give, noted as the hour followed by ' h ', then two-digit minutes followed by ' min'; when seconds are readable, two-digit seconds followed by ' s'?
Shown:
5 h 53 min
